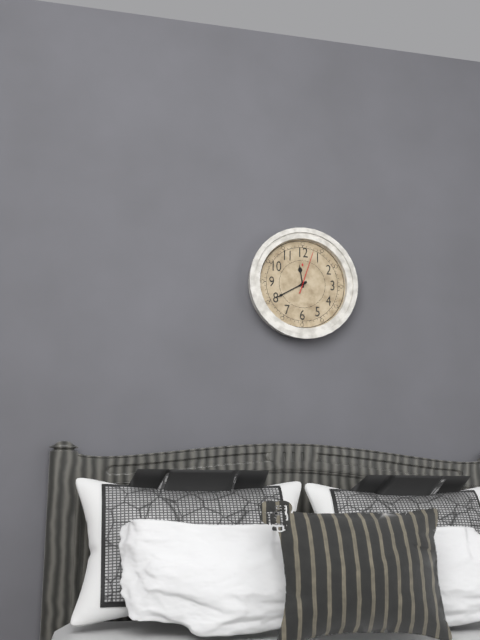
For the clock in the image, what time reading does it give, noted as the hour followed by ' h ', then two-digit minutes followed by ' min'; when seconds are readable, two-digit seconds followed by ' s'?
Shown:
11 h 40 min
